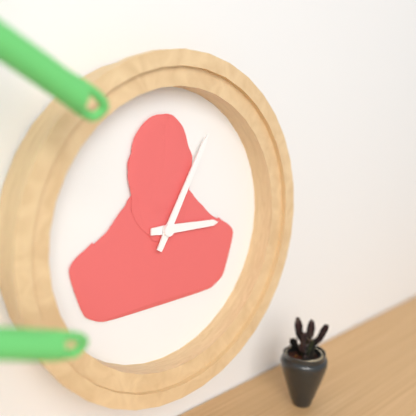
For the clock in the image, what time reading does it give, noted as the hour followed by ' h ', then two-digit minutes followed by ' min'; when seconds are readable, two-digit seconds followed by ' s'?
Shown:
3 h 05 min
